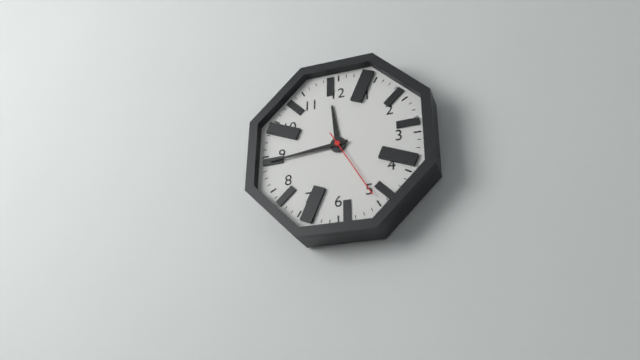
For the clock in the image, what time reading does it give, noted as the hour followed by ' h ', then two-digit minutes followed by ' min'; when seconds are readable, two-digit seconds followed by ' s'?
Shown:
11 h 44 min 25 s
